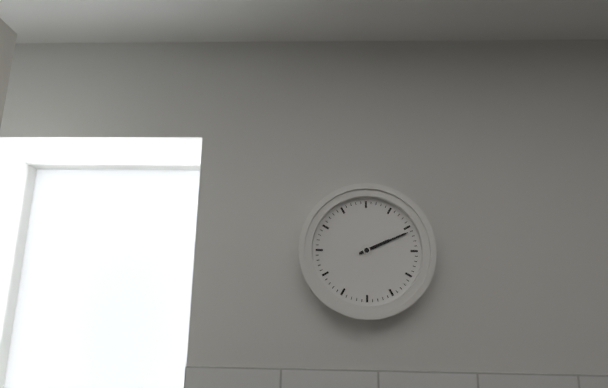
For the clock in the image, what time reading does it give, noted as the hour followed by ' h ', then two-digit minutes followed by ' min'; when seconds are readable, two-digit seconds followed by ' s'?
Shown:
2 h 11 min
